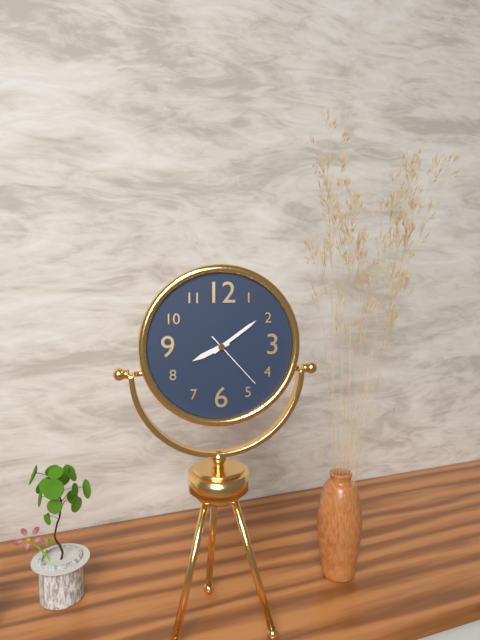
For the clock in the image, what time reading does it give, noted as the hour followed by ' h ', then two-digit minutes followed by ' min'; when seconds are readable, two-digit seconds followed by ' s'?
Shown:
8 h 09 min 23 s
